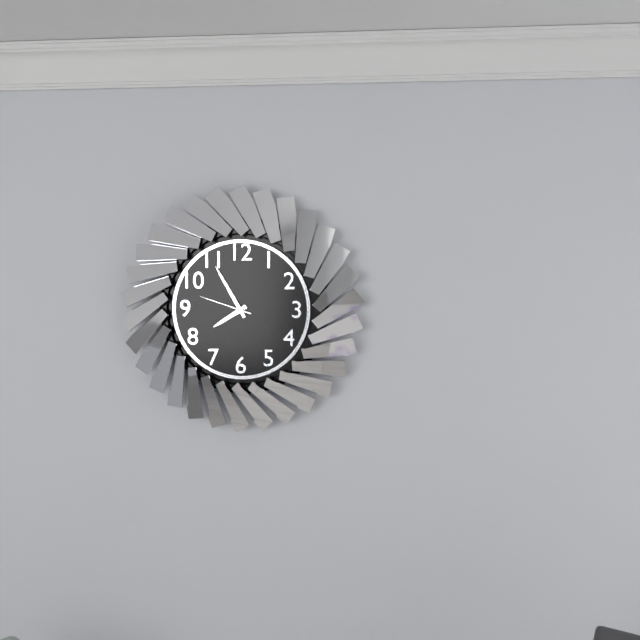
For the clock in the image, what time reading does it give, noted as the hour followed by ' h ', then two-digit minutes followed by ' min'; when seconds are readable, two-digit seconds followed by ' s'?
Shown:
7 h 55 min 48 s
